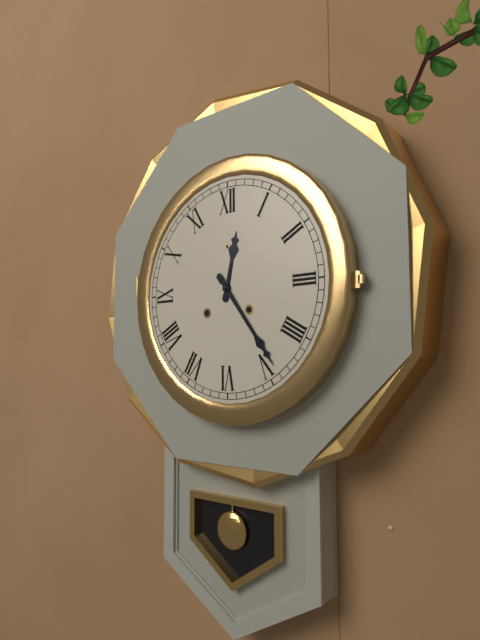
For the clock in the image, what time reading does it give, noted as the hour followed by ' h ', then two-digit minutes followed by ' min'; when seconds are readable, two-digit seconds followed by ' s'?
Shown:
12 h 24 min
